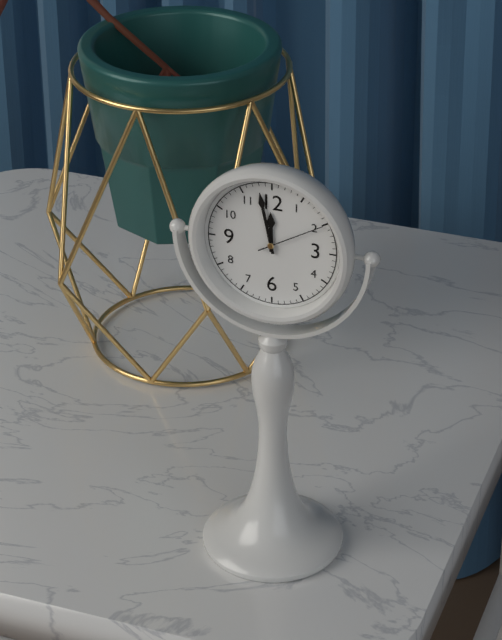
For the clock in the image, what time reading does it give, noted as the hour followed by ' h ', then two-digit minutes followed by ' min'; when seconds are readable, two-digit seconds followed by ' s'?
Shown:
11 h 58 min 10 s
